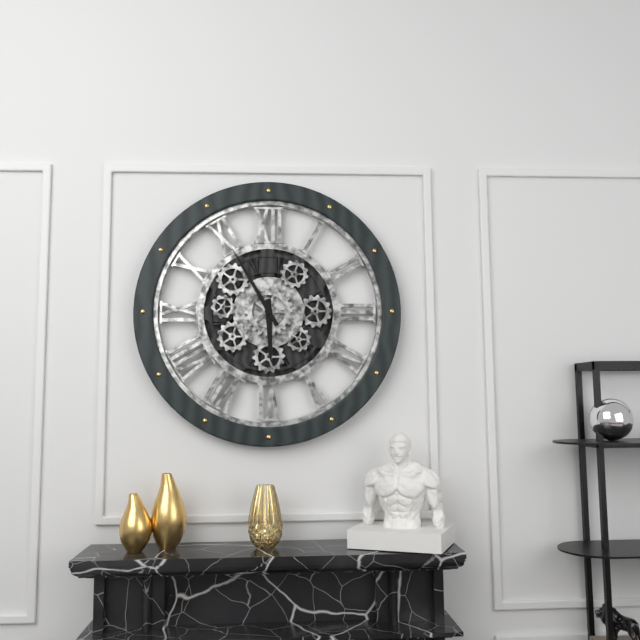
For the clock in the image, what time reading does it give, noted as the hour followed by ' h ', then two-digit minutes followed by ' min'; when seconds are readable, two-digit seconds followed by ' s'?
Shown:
5 h 55 min
